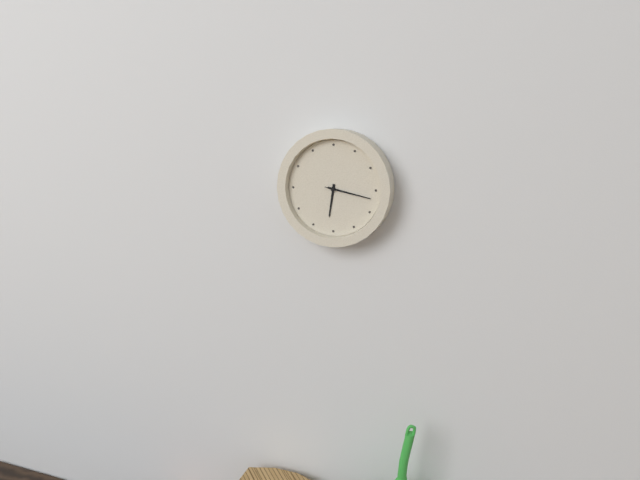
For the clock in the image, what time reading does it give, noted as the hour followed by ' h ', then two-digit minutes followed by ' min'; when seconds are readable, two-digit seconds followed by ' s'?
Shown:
6 h 17 min
